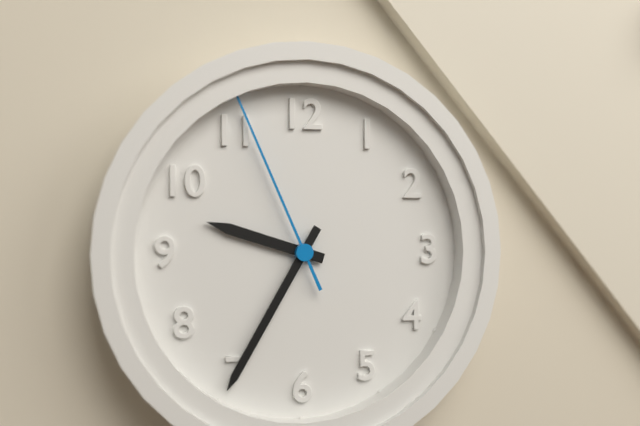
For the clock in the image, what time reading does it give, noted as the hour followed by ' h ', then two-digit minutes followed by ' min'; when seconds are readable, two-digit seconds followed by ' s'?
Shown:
9 h 35 min 56 s
